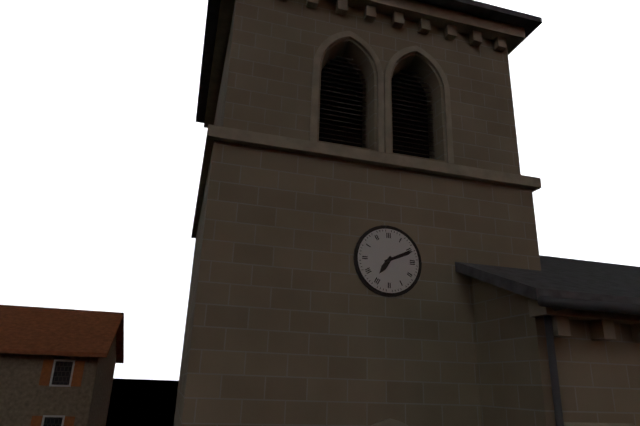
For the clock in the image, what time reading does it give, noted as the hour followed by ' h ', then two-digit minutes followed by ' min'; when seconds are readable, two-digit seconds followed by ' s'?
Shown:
7 h 11 min
